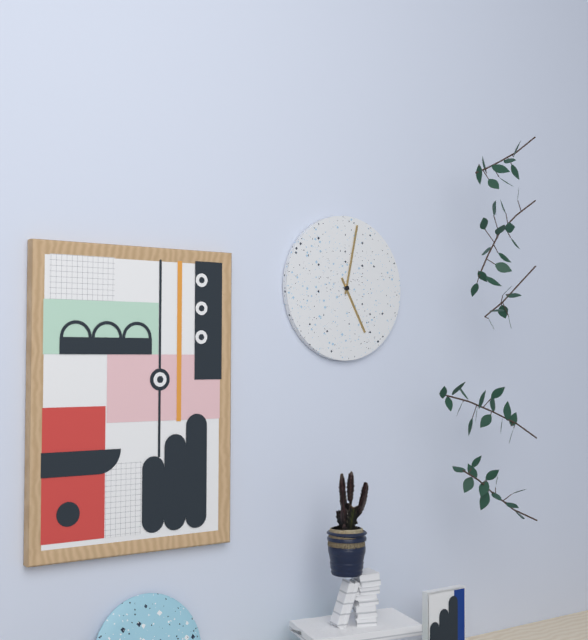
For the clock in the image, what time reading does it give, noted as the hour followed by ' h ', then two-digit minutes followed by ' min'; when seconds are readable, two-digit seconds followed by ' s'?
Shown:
5 h 02 min
